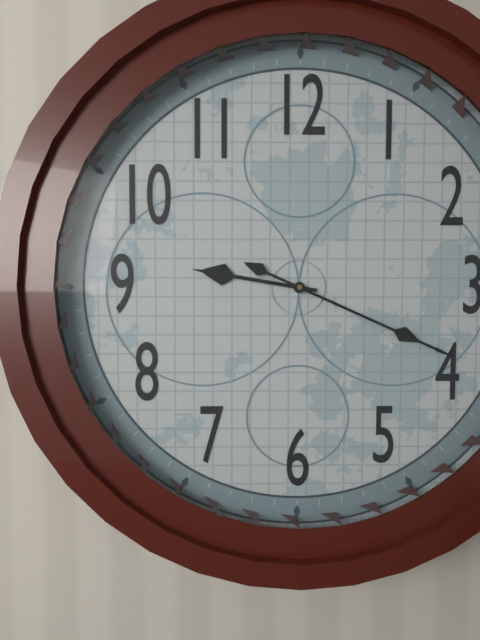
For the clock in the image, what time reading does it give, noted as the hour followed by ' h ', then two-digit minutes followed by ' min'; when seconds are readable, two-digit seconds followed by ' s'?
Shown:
9 h 19 min
